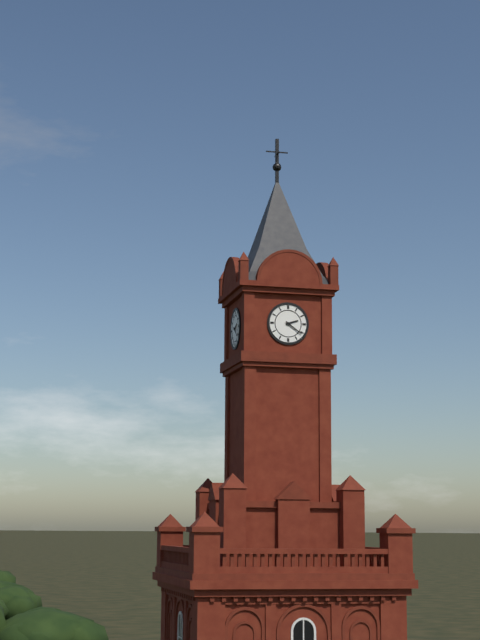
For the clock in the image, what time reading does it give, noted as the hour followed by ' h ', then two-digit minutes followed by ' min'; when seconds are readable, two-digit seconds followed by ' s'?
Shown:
2 h 21 min
